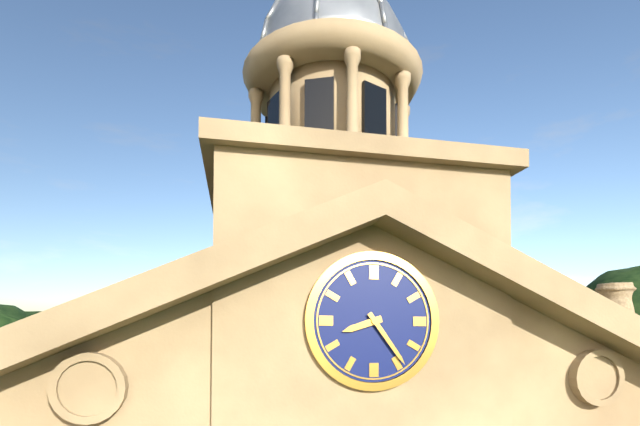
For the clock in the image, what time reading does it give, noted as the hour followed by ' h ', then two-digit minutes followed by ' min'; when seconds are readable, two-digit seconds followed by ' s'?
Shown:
8 h 24 min
